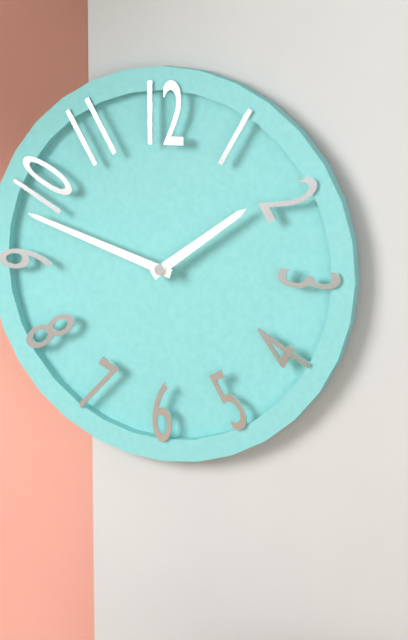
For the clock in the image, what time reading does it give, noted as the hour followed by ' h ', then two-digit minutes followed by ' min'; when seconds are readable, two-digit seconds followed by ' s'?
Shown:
1 h 48 min
